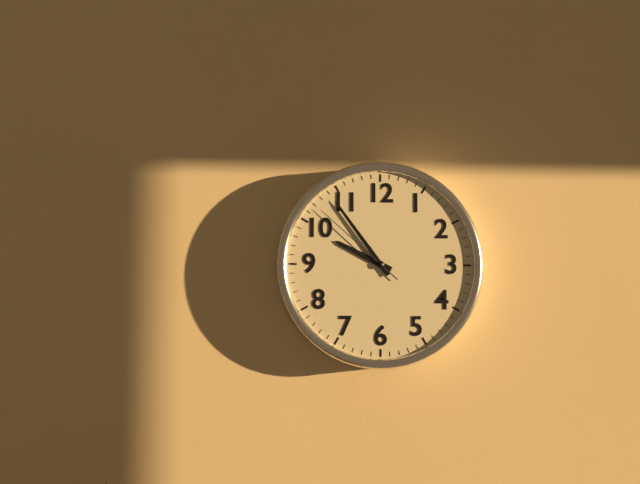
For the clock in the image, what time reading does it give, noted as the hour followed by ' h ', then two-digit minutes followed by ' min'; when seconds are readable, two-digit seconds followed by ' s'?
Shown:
9 h 54 min 52 s
